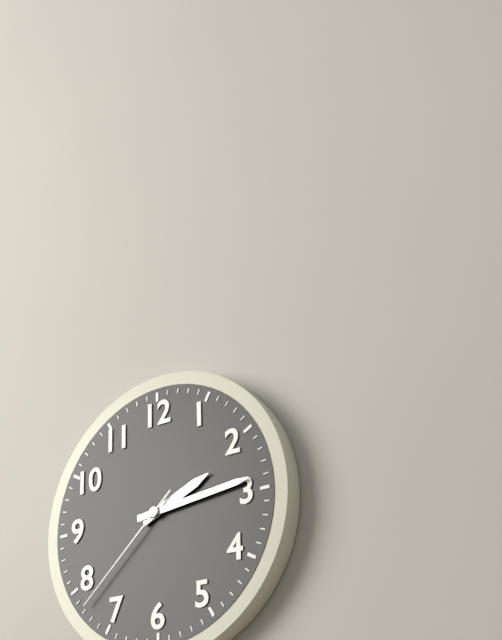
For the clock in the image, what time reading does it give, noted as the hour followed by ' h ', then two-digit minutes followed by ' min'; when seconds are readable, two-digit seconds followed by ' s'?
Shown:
2 h 14 min 38 s
